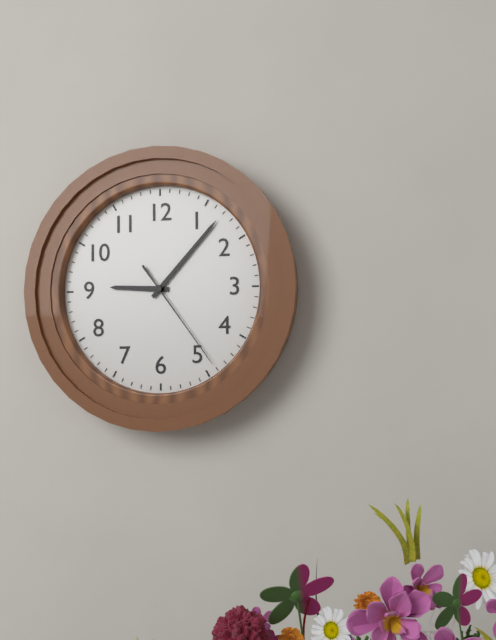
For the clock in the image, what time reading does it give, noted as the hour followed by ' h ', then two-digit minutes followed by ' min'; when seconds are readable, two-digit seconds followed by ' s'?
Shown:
9 h 07 min 24 s
